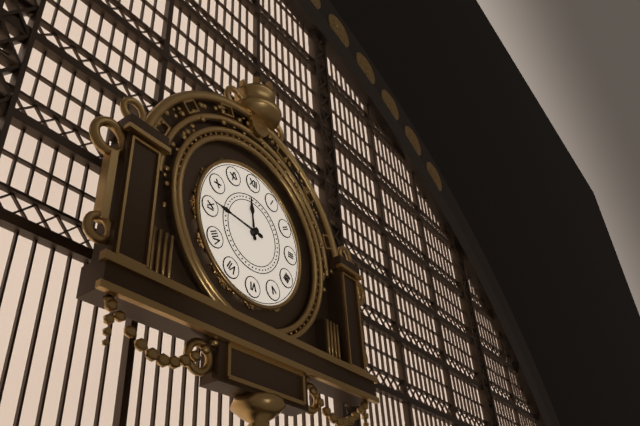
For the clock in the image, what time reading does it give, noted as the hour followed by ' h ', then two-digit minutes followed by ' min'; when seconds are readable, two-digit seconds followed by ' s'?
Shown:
11 h 46 min
